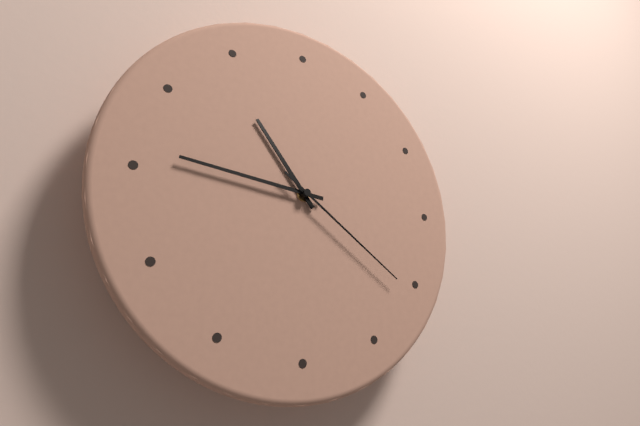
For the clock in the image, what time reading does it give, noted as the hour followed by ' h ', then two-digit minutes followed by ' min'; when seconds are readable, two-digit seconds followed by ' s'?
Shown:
10 h 46 min 21 s
